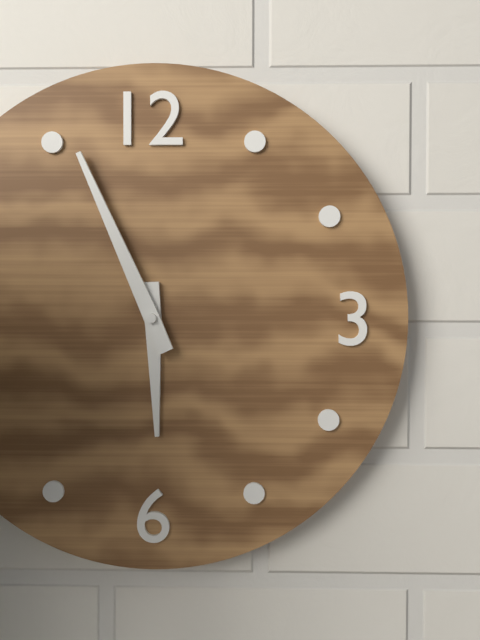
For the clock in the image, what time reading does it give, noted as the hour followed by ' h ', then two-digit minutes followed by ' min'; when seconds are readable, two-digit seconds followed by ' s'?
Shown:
5 h 56 min
